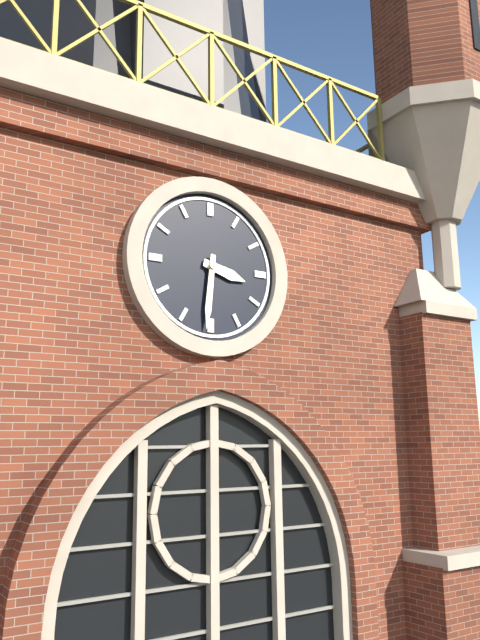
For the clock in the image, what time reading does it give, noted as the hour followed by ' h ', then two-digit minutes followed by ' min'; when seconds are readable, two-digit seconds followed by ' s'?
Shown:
3 h 31 min
